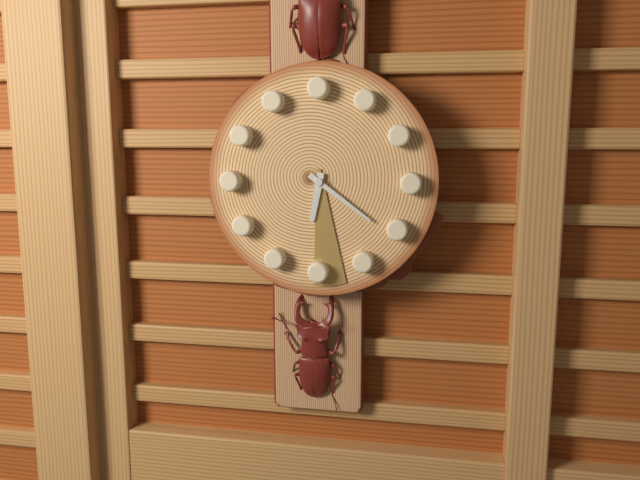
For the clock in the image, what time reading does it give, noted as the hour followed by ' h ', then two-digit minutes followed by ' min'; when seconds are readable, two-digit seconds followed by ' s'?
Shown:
6 h 21 min 29 s
